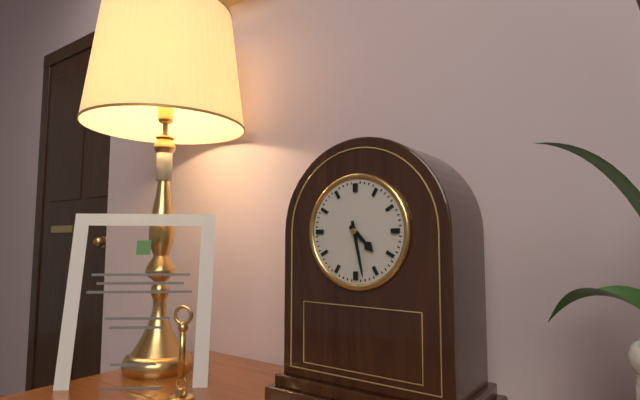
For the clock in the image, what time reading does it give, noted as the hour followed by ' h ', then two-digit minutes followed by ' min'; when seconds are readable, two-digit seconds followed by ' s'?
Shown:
4 h 28 min
